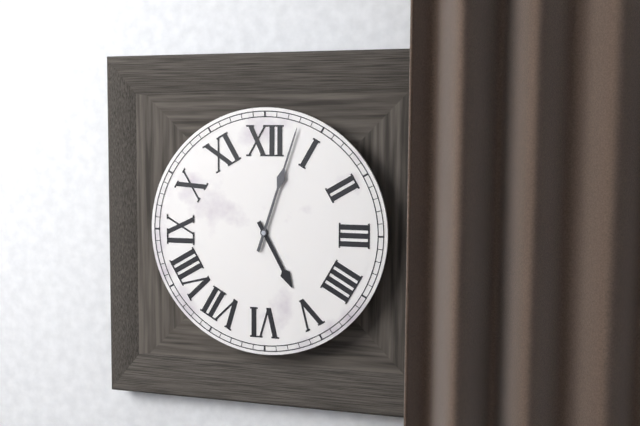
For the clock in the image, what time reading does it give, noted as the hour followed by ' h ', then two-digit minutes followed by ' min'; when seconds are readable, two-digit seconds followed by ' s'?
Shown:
5 h 03 min
